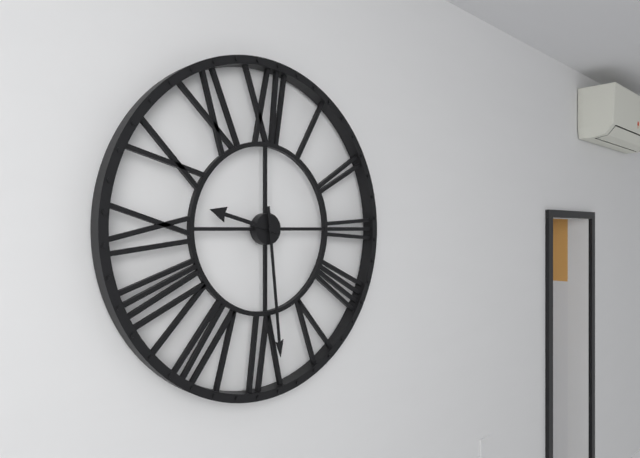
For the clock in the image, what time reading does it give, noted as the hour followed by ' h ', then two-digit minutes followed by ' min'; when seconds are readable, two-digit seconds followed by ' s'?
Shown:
9 h 29 min
